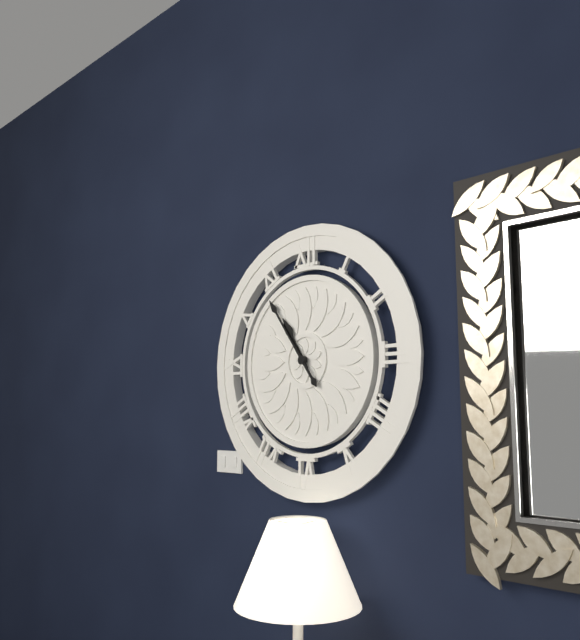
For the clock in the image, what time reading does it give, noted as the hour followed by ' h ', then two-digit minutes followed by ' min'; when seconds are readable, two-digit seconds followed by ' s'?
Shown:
10 h 54 min
